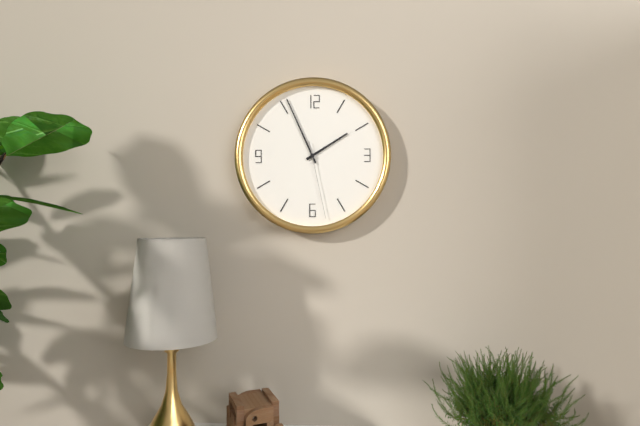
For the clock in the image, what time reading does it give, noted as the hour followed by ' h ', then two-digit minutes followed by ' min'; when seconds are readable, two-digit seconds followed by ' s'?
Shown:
1 h 56 min 28 s
